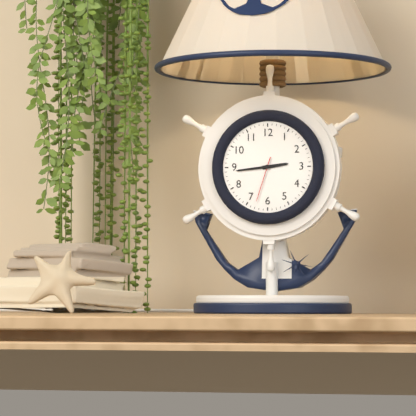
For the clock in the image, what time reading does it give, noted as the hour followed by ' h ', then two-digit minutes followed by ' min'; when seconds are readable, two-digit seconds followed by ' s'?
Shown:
2 h 44 min
